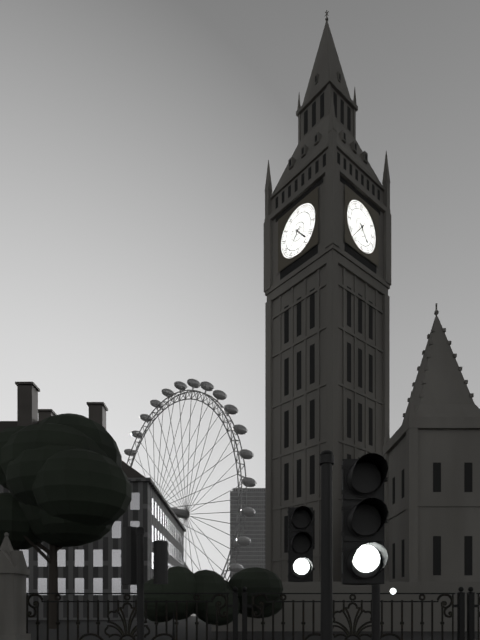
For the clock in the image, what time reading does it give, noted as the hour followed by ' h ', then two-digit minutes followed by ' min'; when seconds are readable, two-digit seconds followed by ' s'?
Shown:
4 h 37 min
